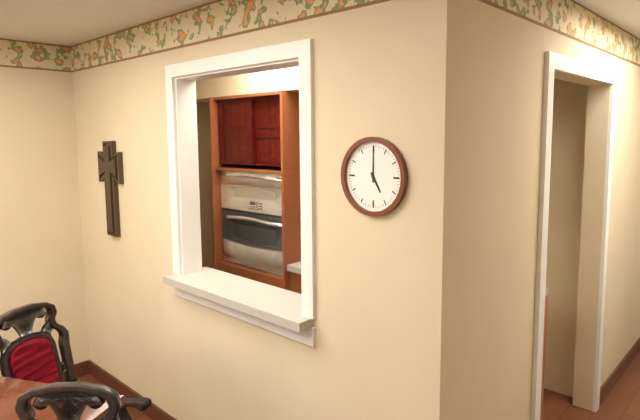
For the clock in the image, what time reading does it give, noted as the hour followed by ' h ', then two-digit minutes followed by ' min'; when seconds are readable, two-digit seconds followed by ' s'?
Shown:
5 h 00 min
